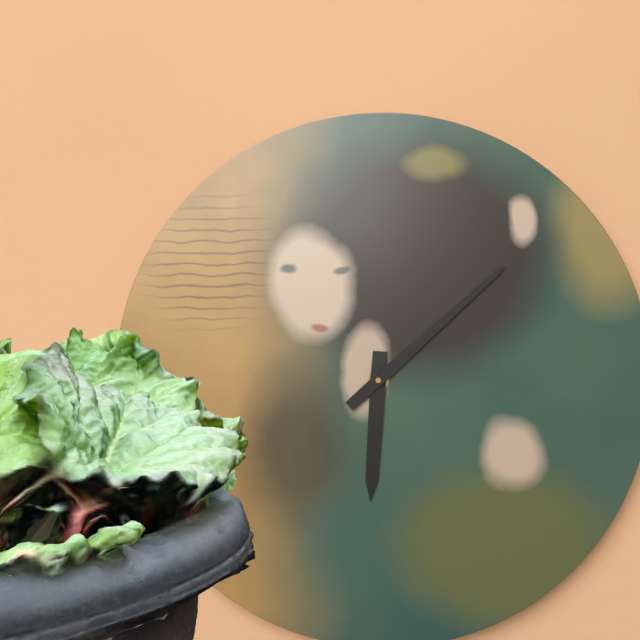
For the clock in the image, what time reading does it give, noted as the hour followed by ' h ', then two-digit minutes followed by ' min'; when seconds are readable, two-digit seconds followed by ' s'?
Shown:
6 h 08 min
